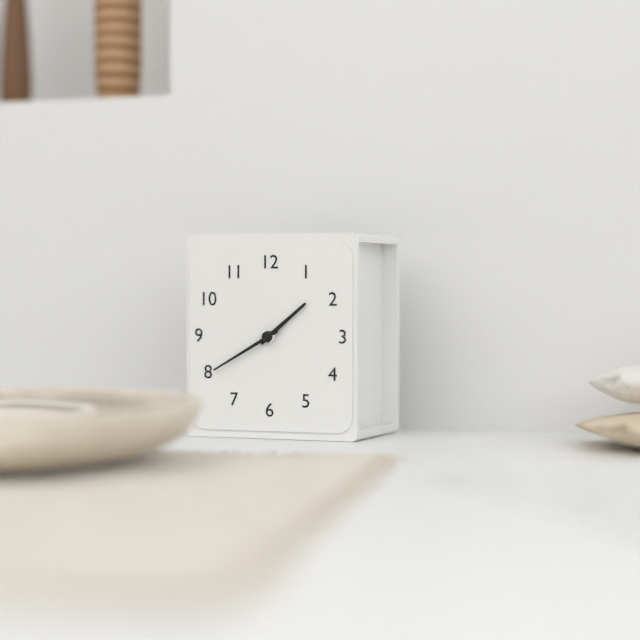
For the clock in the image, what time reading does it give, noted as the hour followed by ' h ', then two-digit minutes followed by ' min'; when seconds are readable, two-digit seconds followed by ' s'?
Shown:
1 h 40 min
